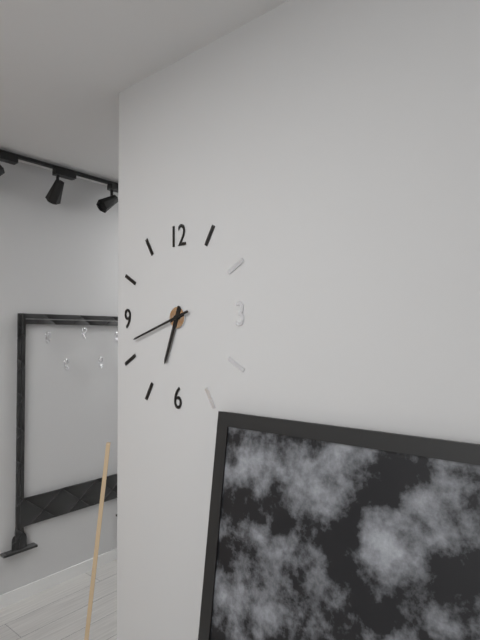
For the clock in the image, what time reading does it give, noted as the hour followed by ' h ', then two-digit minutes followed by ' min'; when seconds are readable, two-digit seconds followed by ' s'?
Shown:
6 h 42 min
